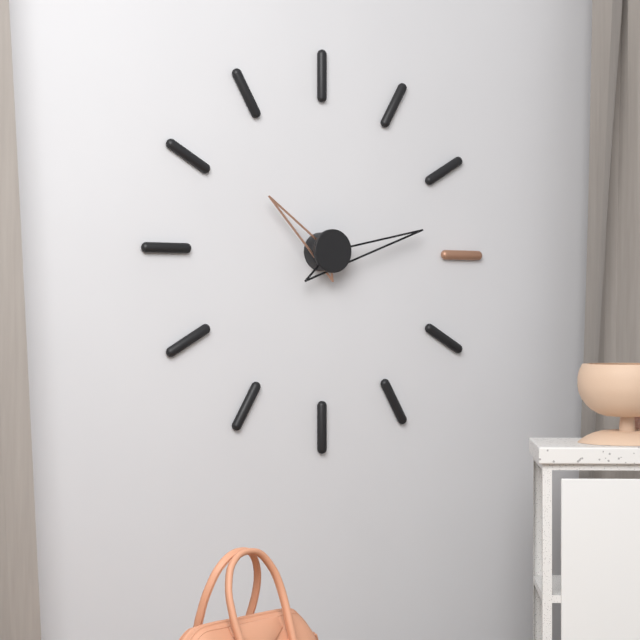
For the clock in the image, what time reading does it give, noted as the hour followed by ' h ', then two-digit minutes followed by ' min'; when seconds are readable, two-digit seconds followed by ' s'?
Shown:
10 h 13 min
